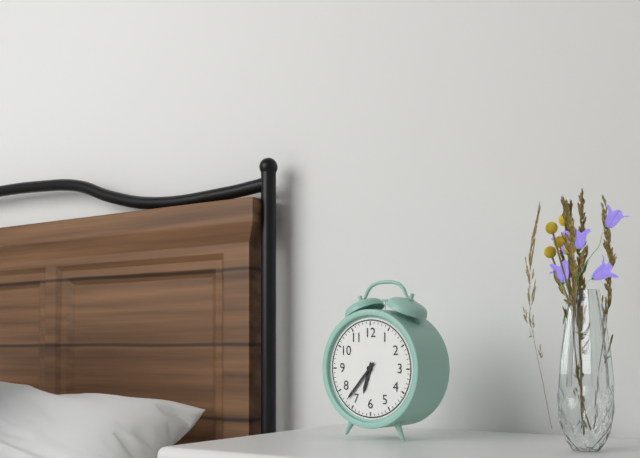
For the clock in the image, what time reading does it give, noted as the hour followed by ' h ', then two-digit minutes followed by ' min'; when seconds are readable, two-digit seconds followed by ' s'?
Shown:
6 h 37 min
